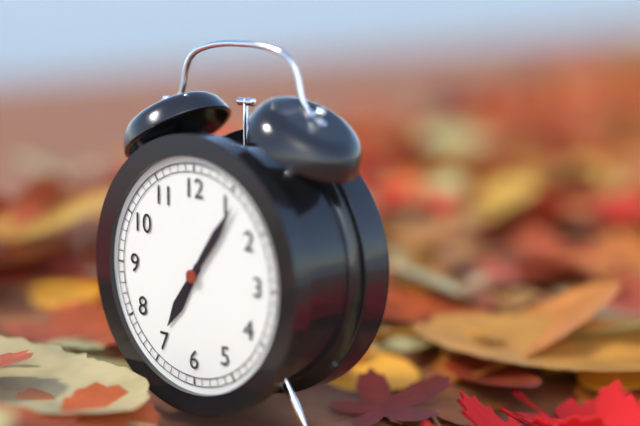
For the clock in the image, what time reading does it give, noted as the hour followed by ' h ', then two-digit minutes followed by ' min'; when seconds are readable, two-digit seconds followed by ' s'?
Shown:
7 h 06 min
